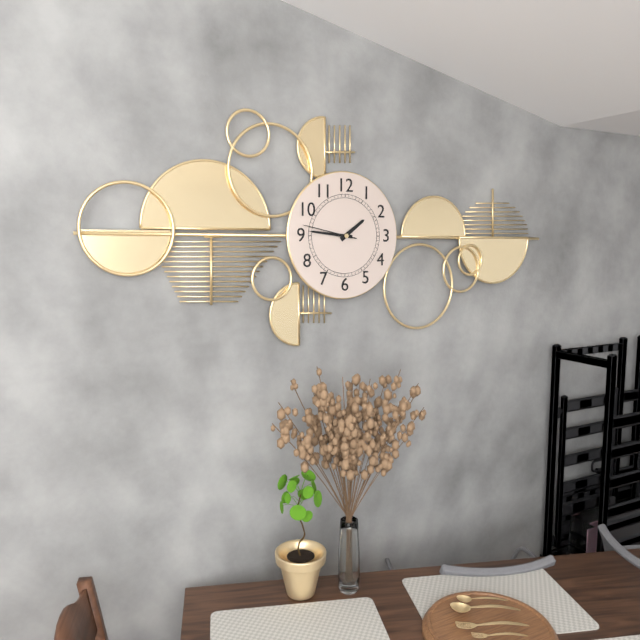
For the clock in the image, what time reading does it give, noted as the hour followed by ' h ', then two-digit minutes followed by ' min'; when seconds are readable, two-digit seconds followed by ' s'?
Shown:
1 h 46 min 47 s
